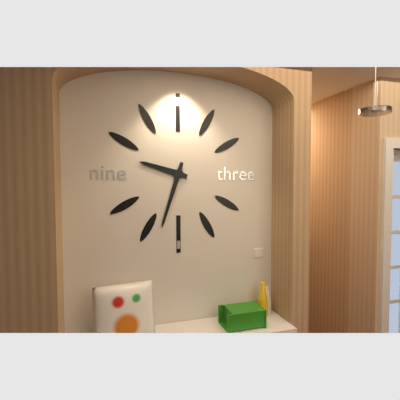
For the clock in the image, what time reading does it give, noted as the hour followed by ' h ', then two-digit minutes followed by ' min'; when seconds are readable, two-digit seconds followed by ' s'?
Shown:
9 h 33 min
